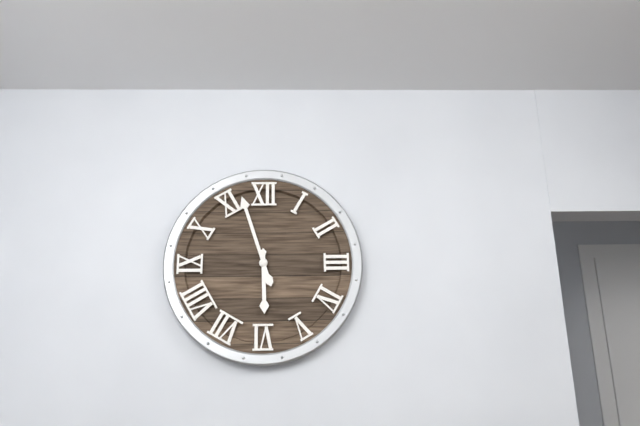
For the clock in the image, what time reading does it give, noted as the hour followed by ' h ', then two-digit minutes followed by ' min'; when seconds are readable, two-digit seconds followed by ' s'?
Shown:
5 h 57 min
